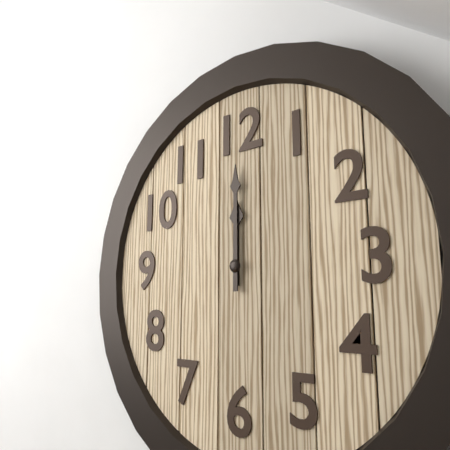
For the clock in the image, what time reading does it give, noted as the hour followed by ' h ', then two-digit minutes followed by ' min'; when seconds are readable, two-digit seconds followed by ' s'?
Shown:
12 h 00 min
